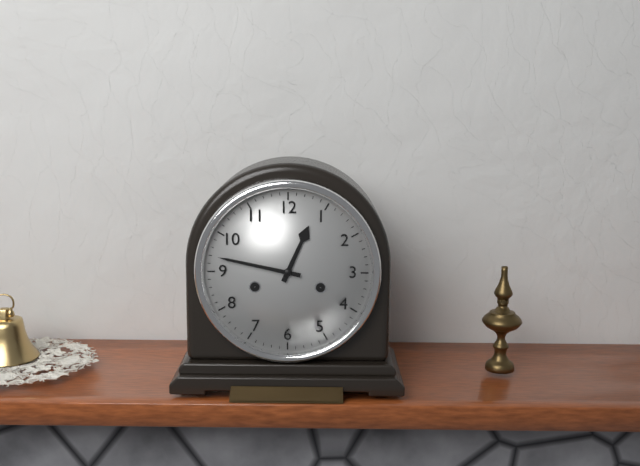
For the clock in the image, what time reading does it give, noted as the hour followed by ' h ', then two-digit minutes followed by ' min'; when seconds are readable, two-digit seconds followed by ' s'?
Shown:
12 h 47 min
